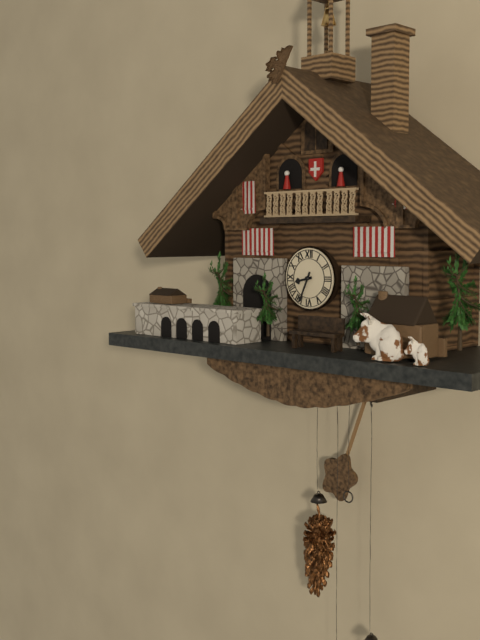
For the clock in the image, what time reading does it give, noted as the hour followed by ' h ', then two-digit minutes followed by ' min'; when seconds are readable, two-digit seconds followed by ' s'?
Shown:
8 h 34 min
